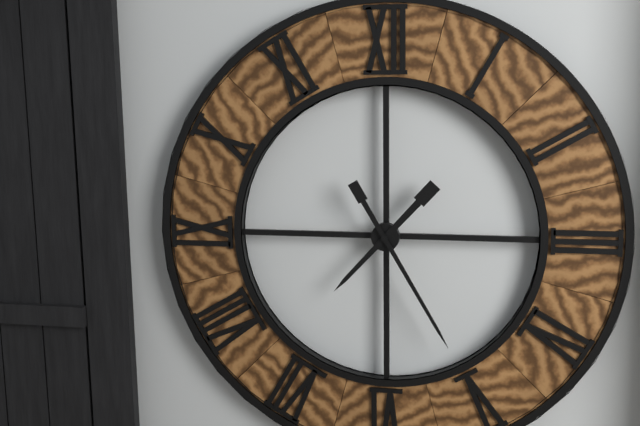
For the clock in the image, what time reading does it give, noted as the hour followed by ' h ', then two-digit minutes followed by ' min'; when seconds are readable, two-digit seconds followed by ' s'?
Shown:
7 h 25 min
